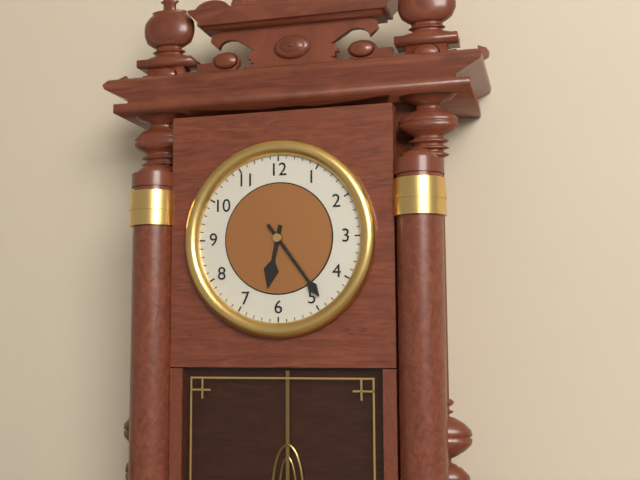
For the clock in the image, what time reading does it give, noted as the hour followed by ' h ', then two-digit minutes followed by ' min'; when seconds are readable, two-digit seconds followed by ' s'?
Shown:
6 h 24 min
